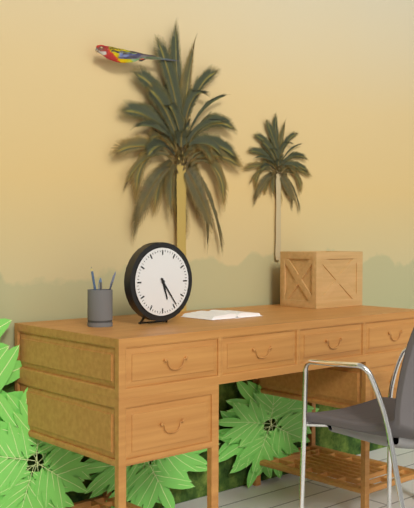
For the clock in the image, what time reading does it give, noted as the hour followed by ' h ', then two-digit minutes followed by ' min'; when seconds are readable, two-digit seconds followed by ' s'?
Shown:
5 h 24 min
